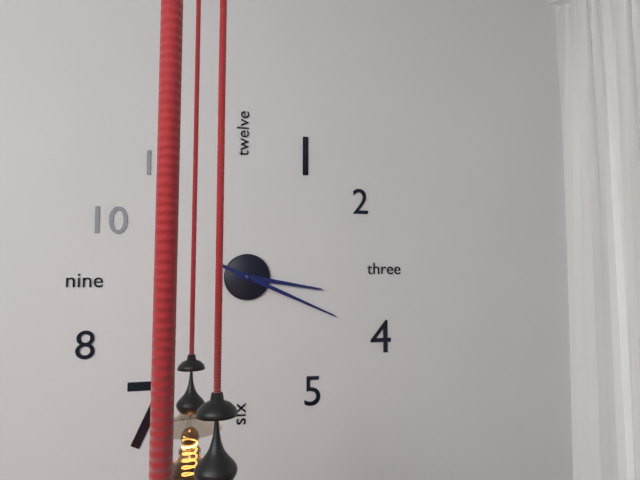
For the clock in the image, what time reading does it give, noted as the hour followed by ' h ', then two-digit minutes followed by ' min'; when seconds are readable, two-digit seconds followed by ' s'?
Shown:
3 h 19 min
